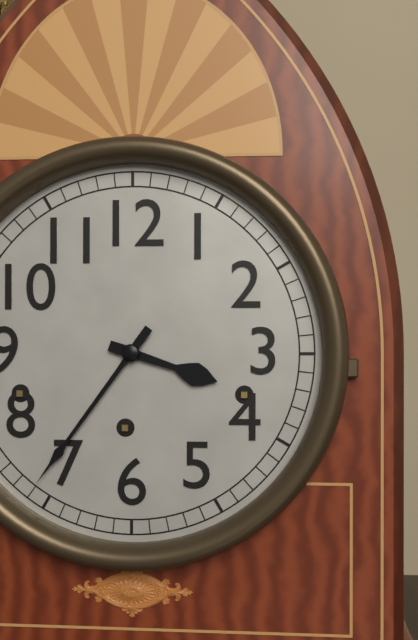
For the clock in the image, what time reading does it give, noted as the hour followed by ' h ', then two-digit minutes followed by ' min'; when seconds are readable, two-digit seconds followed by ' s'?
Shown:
3 h 36 min
